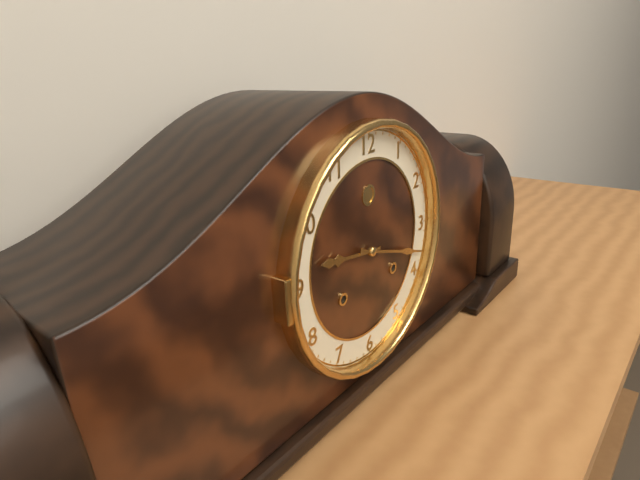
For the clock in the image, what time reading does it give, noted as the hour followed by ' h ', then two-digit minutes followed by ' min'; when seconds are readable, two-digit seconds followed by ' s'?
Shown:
9 h 18 min
